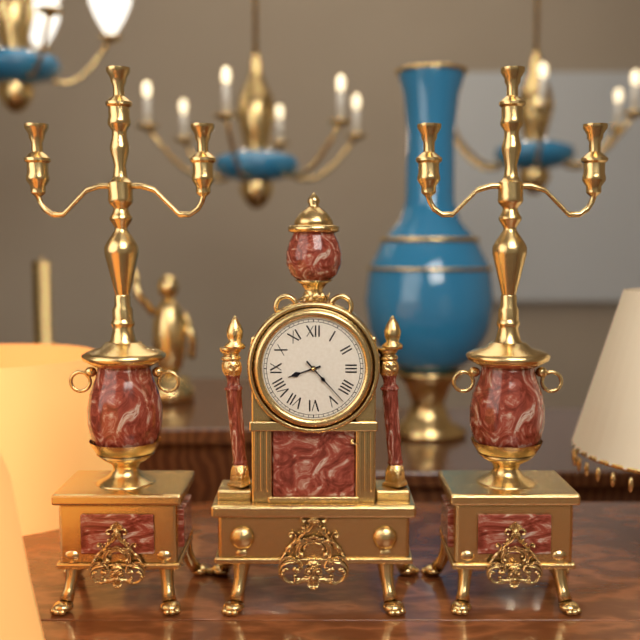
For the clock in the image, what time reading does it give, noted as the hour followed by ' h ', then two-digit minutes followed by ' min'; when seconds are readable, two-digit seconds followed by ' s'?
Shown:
8 h 23 min
